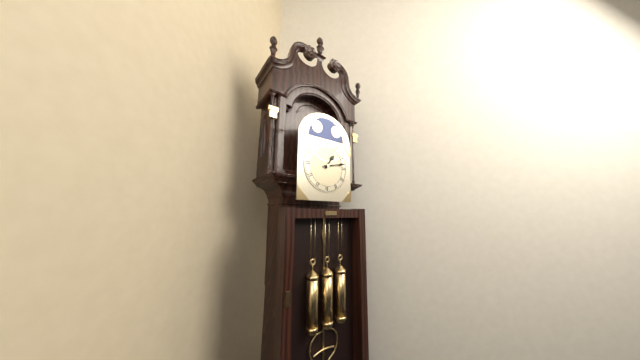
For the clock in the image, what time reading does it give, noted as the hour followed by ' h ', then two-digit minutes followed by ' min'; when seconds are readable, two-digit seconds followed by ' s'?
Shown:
1 h 13 min
